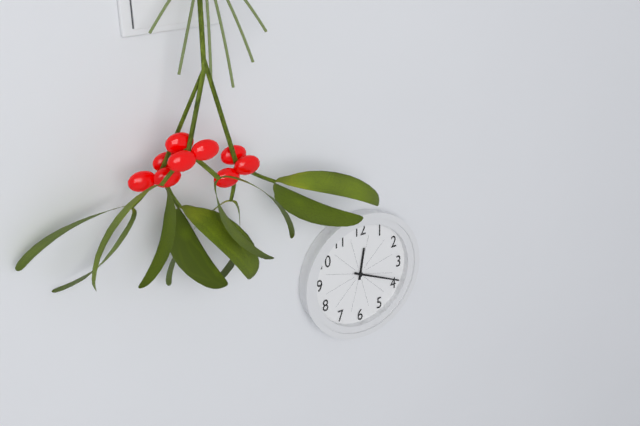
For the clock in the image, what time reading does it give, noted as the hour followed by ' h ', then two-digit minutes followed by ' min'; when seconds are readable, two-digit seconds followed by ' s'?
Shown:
12 h 19 min
